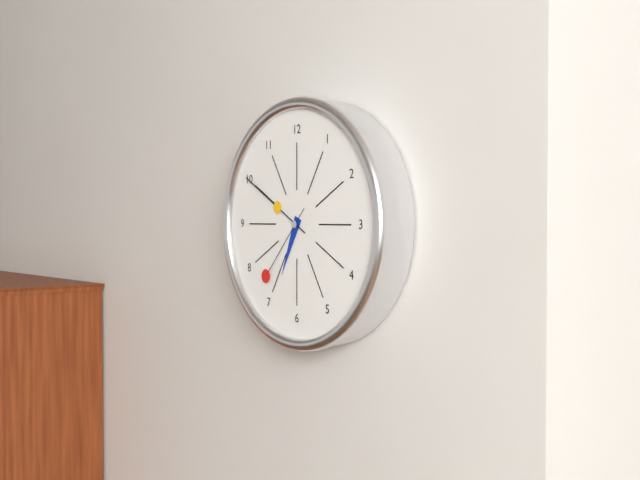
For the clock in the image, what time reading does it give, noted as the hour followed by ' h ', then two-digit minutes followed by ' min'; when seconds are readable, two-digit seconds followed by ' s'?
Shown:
6 h 50 min 37 s
